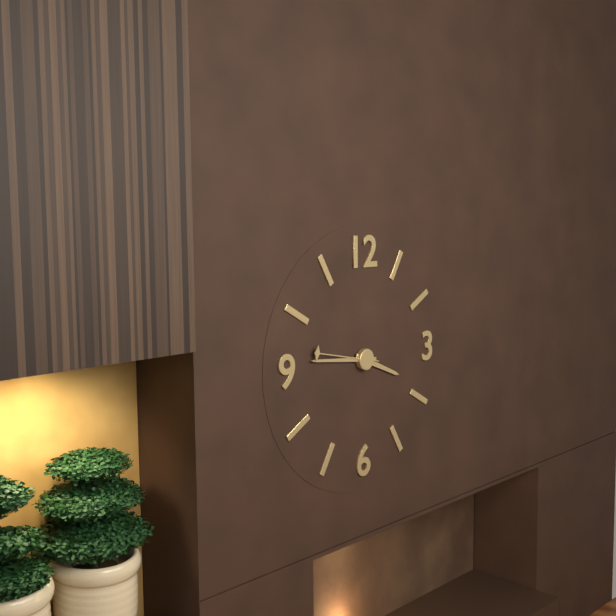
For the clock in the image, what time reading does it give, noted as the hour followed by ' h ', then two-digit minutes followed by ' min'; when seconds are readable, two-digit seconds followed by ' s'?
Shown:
3 h 46 min 47 s
